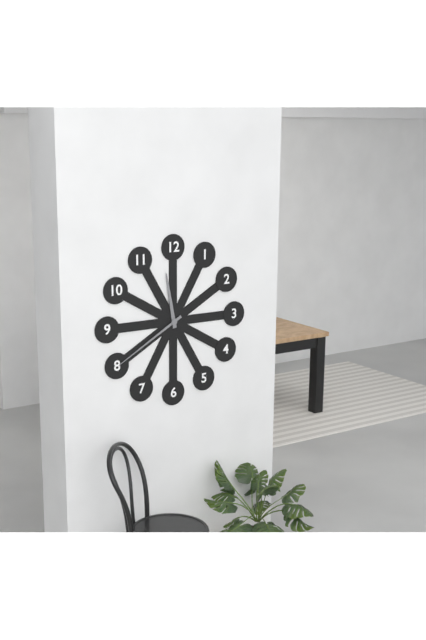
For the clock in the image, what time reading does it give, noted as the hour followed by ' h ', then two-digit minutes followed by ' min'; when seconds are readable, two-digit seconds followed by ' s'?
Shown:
11 h 40 min
